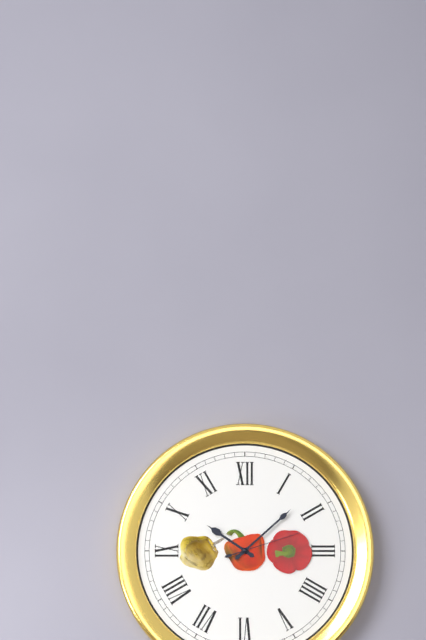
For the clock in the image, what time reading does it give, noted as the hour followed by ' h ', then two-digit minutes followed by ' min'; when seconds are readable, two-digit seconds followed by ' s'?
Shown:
10 h 08 min 12 s
